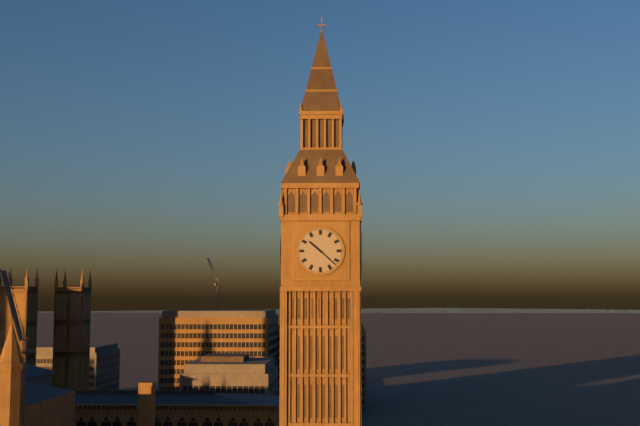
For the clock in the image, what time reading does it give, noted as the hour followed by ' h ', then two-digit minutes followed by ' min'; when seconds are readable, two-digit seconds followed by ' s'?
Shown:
10 h 22 min
